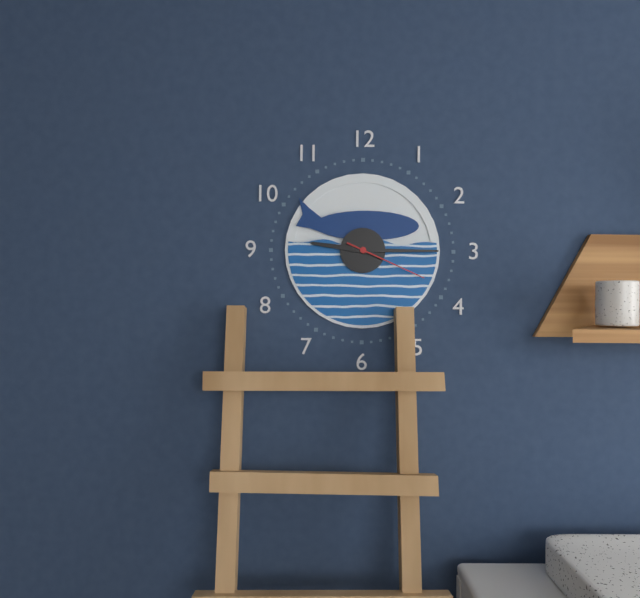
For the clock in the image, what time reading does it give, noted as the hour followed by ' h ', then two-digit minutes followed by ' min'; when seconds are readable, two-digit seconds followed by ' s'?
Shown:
9 h 15 min 19 s
